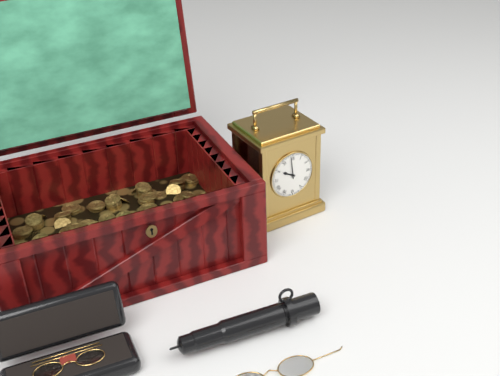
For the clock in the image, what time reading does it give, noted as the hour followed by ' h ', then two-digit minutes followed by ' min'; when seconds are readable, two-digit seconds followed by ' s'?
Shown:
9 h 59 min
